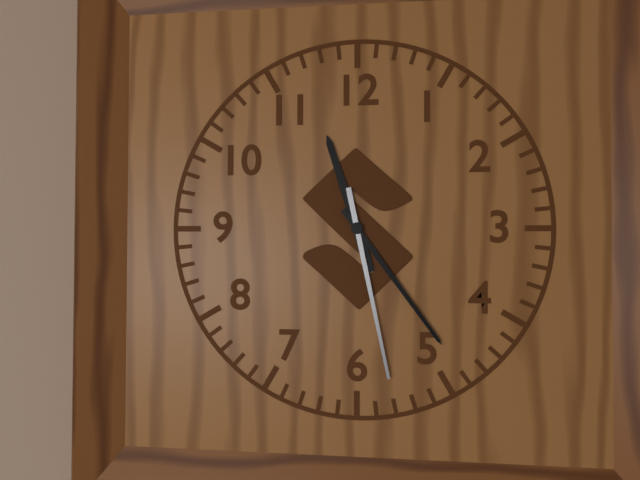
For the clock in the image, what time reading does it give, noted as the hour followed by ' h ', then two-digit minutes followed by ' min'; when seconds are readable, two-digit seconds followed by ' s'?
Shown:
11 h 24 min 28 s
